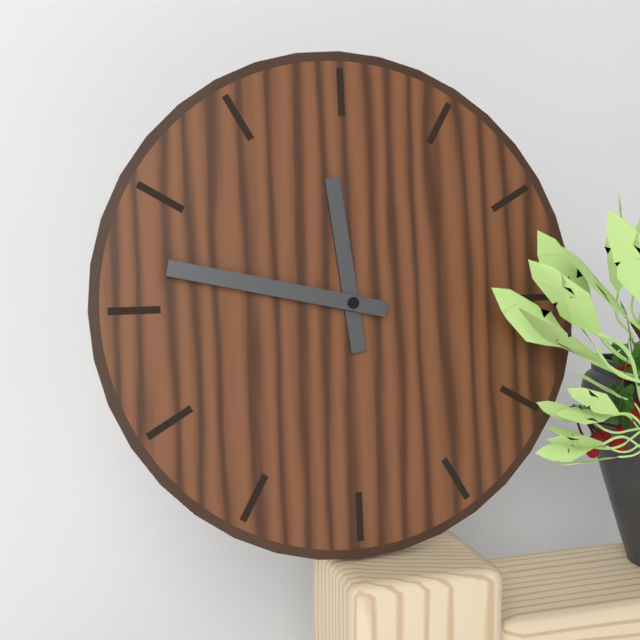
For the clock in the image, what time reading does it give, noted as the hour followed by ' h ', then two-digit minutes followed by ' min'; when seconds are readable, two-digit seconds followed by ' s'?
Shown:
11 h 47 min
